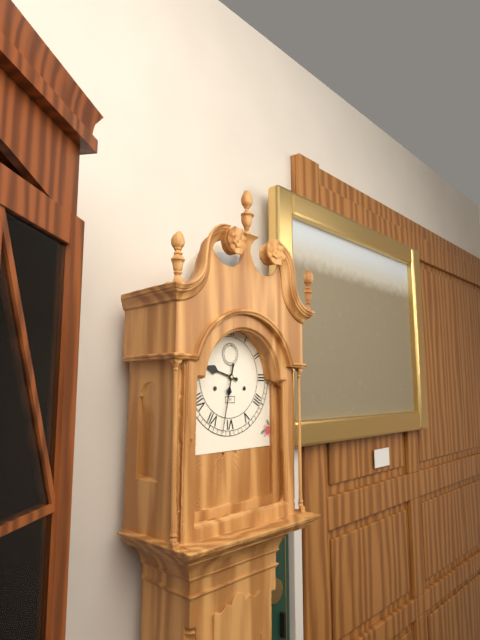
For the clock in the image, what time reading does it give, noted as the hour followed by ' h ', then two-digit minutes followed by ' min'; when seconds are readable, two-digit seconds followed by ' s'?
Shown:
9 h 32 min
